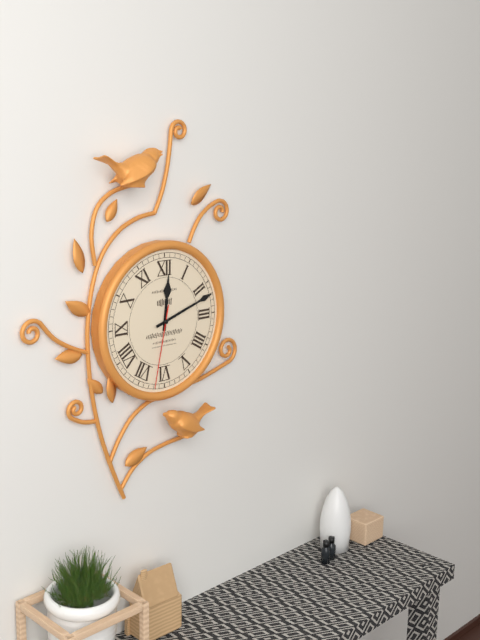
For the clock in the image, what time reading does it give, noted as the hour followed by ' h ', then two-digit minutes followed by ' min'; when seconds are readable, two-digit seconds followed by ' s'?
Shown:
12 h 12 min 32 s
